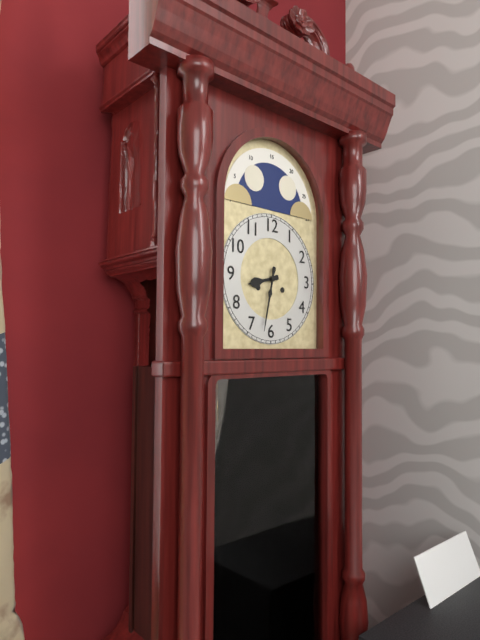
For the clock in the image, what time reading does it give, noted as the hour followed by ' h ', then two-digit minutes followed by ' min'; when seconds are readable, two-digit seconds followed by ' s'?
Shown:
8 h 32 min
